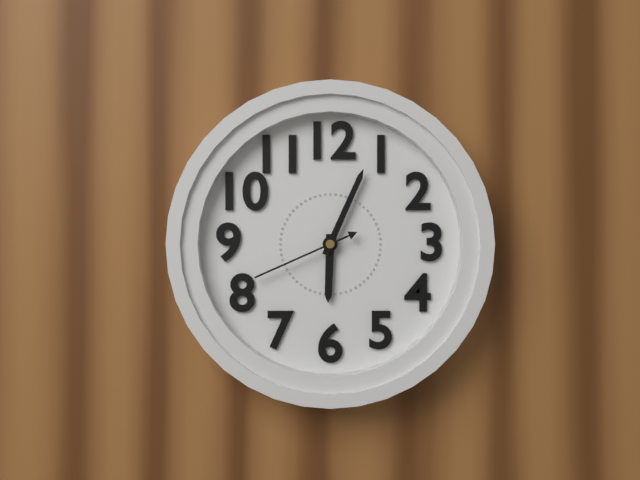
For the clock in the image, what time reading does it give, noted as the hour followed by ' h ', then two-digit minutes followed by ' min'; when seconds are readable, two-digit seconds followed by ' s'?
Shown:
6 h 04 min 41 s
